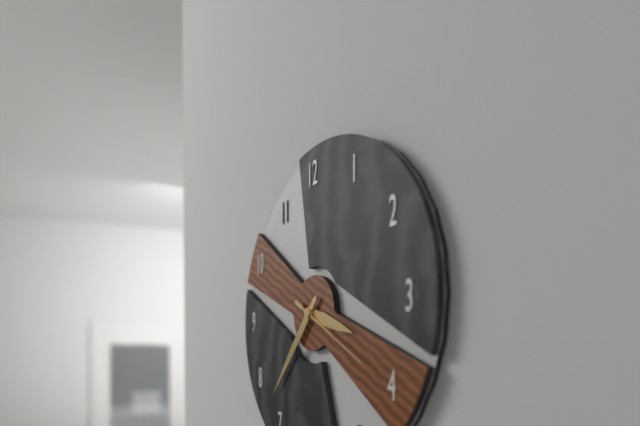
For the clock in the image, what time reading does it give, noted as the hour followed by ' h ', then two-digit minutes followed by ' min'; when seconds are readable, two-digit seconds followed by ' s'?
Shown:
3 h 37 min 20 s
